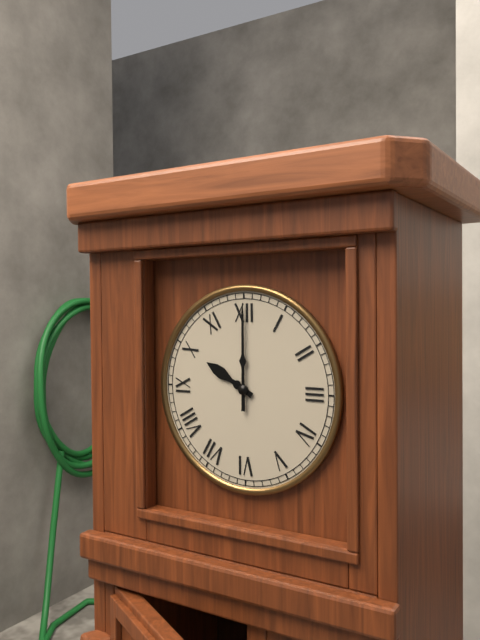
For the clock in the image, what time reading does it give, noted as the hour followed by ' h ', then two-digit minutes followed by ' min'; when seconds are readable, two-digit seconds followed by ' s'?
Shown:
10 h 00 min
